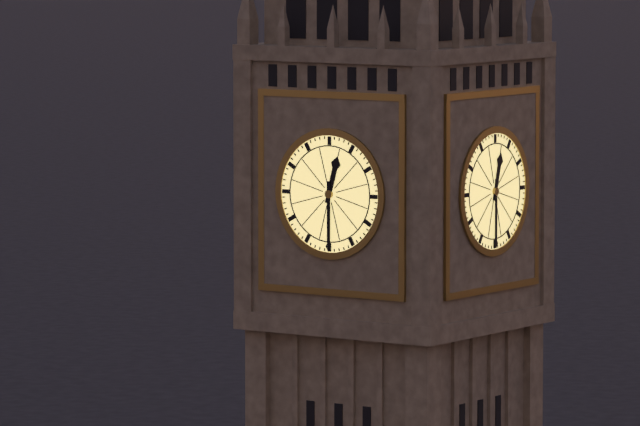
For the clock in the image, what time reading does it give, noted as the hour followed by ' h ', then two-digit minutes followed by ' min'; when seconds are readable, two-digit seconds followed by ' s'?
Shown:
12 h 30 min
